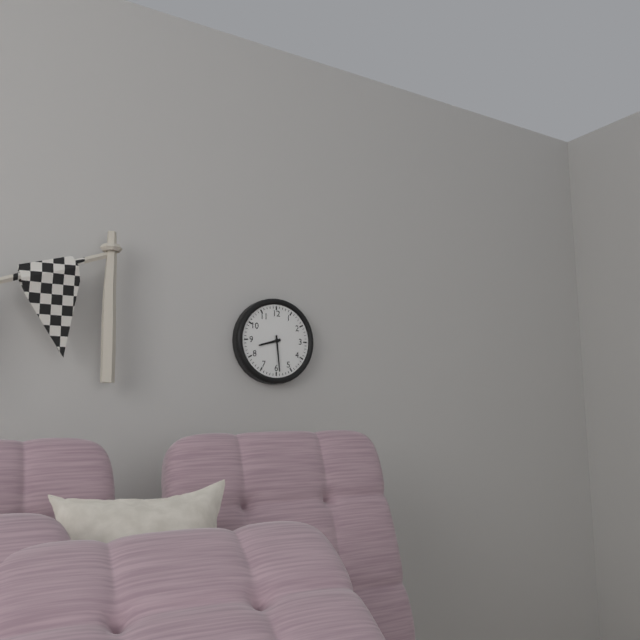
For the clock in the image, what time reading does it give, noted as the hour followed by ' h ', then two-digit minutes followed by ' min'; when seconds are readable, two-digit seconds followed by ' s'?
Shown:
8 h 29 min
